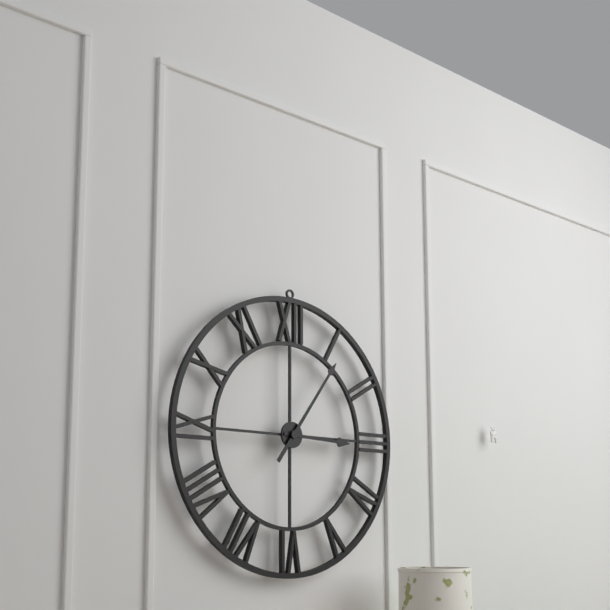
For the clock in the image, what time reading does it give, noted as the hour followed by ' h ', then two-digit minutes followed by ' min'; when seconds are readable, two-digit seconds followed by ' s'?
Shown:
3 h 06 min
